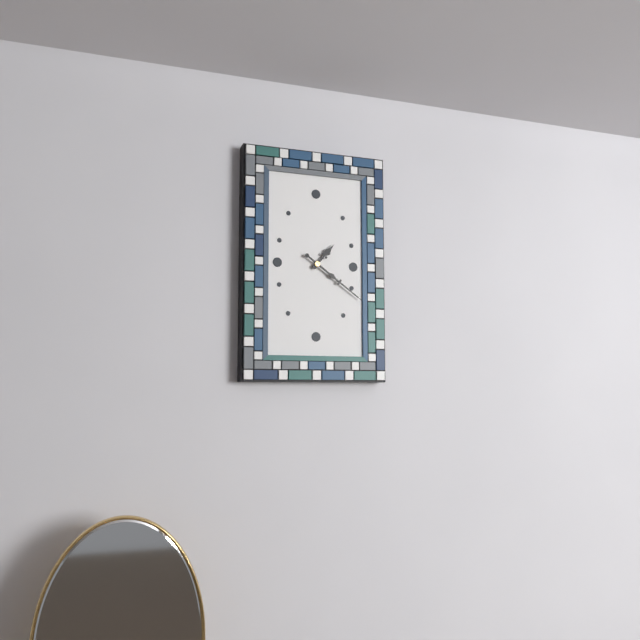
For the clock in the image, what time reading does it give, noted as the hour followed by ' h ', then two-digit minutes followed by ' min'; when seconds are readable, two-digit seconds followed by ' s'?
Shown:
1 h 21 min
